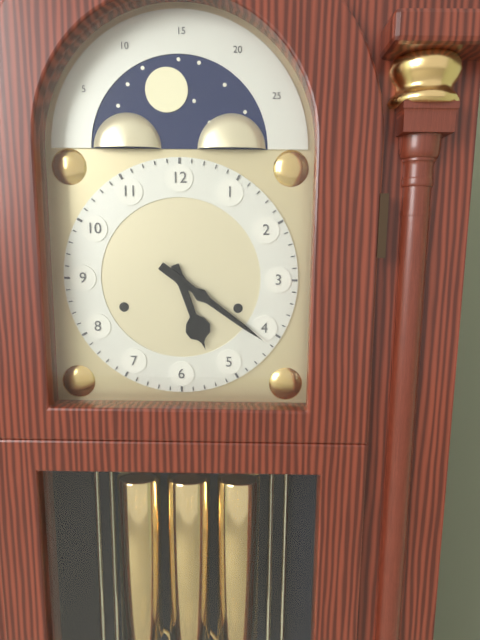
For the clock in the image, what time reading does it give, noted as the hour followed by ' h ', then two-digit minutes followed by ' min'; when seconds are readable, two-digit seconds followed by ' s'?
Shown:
5 h 21 min
